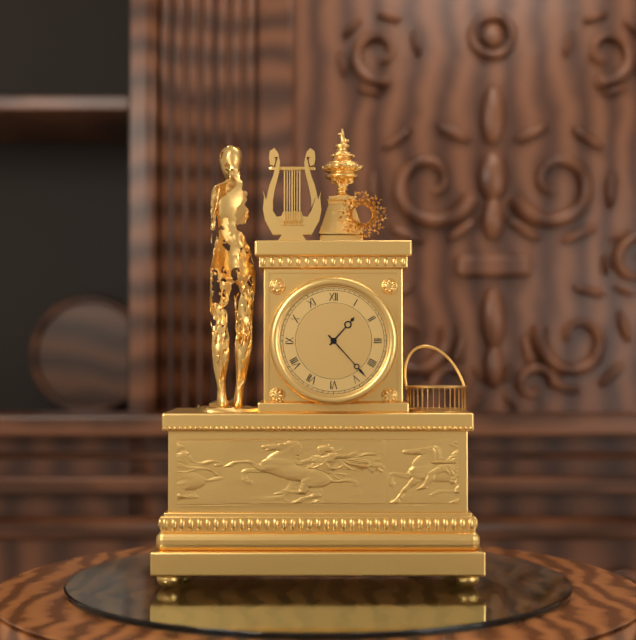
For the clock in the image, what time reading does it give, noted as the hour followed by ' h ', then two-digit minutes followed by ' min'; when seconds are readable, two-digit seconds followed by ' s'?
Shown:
1 h 23 min
